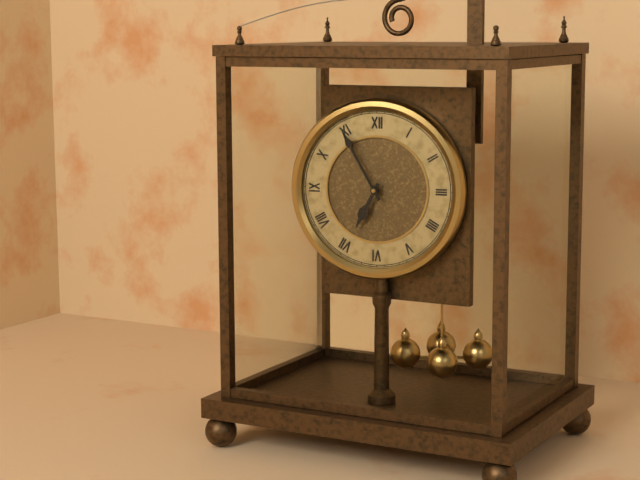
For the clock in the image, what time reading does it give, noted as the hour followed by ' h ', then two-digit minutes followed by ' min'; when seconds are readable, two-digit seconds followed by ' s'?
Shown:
6 h 55 min
